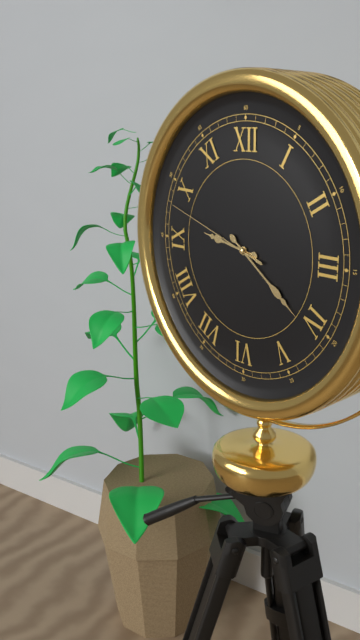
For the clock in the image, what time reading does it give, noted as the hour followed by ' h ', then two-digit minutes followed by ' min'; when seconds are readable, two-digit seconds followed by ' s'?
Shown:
9 h 21 min 48 s
